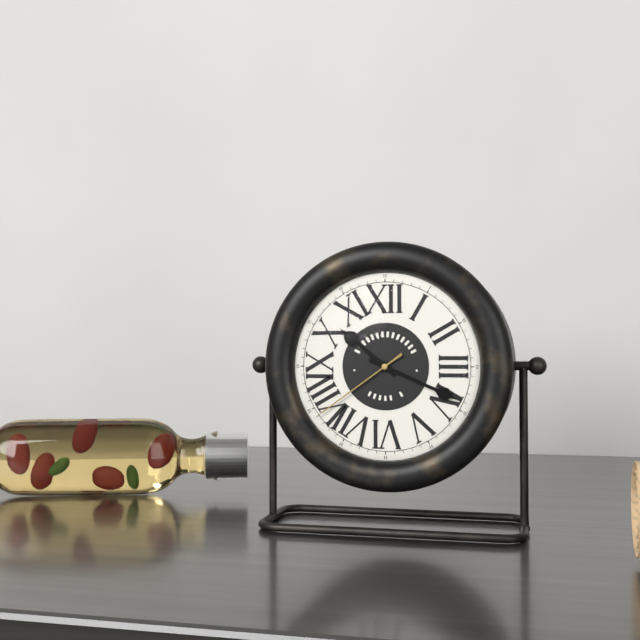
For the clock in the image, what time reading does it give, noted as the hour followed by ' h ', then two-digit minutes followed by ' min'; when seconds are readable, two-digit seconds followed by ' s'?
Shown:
10 h 19 min 39 s
